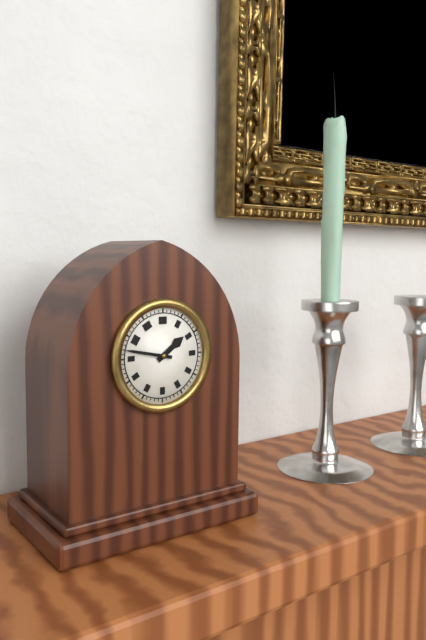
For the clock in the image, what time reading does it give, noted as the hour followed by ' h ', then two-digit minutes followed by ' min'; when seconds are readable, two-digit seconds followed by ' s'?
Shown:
1 h 47 min
